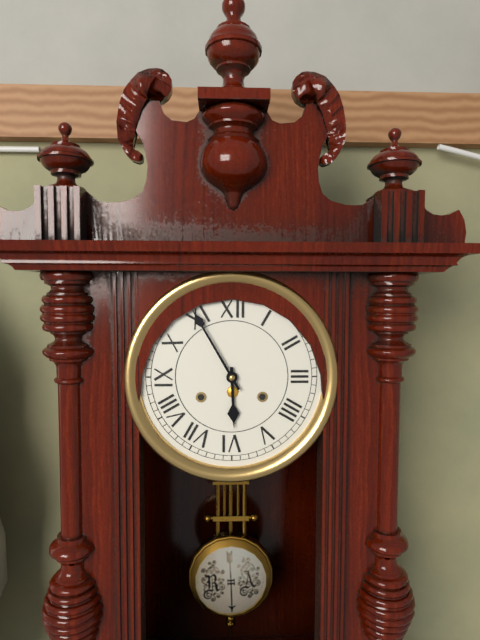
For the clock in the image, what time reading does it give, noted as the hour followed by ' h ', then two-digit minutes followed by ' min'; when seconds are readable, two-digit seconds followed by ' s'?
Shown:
5 h 55 min
